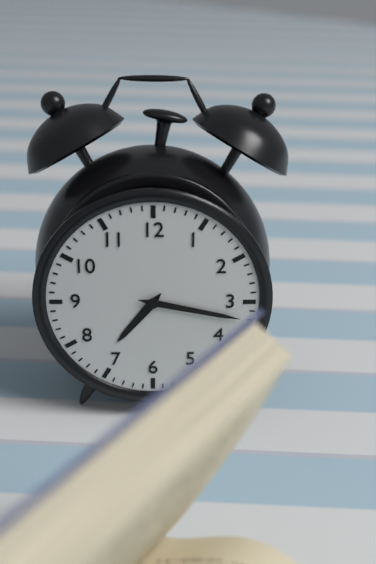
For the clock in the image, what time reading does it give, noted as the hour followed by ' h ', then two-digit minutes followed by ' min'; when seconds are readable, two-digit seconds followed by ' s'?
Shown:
7 h 17 min
